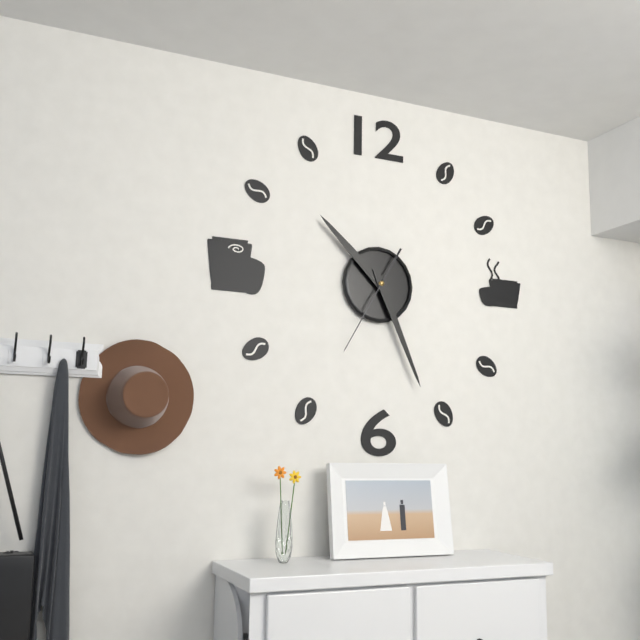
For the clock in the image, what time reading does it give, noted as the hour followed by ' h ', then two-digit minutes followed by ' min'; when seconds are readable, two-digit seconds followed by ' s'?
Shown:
10 h 26 min 35 s
